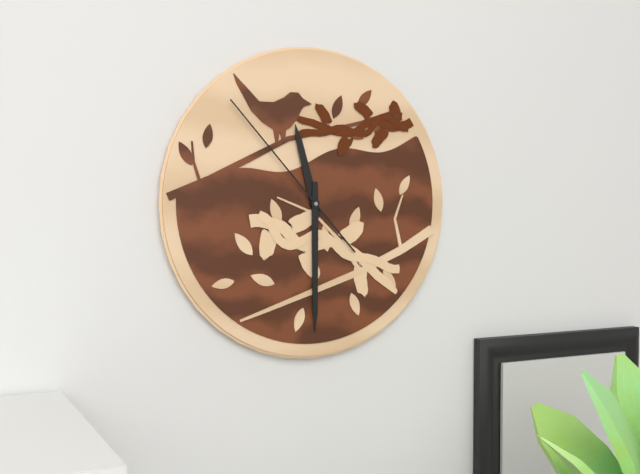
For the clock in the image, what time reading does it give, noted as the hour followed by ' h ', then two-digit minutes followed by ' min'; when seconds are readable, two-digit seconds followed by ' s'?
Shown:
11 h 30 min 53 s
